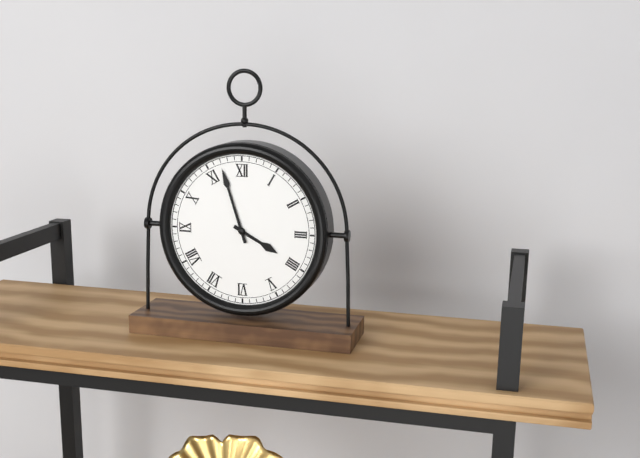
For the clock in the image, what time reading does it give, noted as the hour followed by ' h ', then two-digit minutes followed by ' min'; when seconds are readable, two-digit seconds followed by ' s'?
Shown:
3 h 57 min
